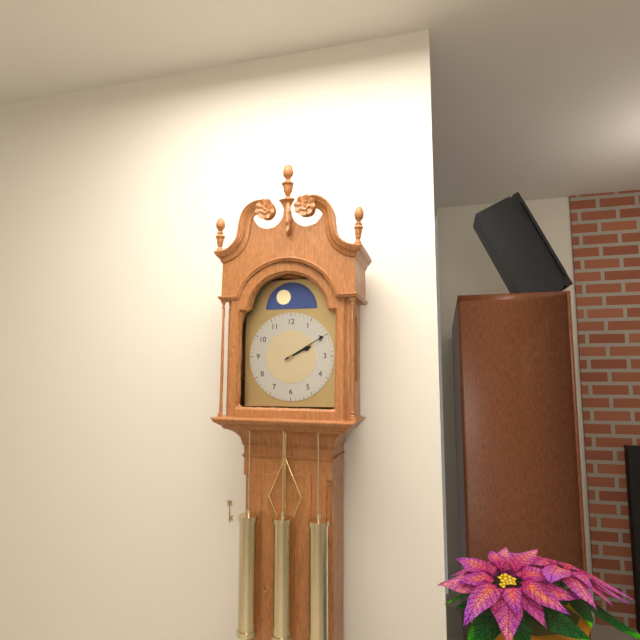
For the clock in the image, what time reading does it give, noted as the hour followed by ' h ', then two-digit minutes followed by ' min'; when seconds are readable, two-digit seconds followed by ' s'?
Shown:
2 h 10 min
